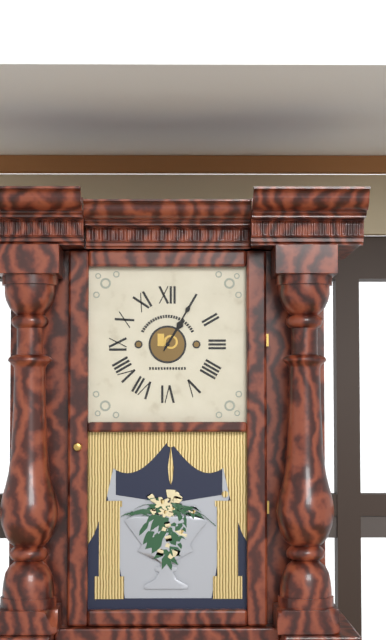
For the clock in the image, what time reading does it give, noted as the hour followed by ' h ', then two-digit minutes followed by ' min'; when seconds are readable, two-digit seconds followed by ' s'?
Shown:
1 h 05 min
